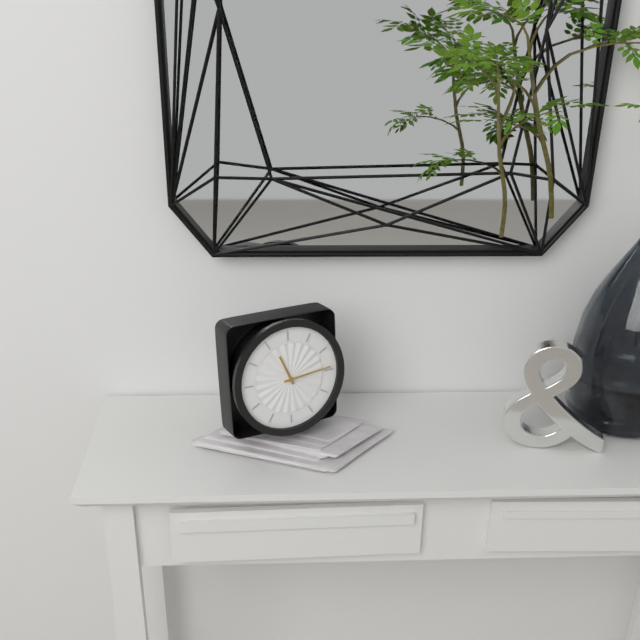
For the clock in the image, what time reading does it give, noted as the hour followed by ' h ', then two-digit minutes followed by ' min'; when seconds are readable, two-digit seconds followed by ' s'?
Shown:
11 h 14 min
